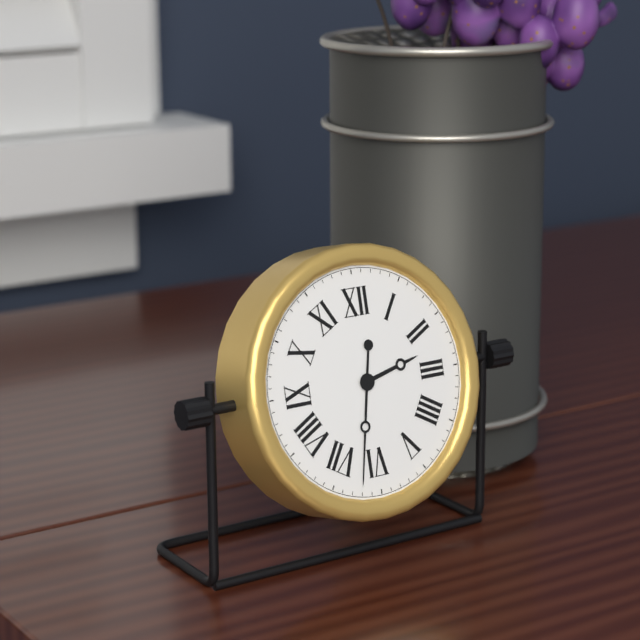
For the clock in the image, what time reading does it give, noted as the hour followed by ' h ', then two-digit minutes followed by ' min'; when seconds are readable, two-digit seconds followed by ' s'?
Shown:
2 h 32 min
